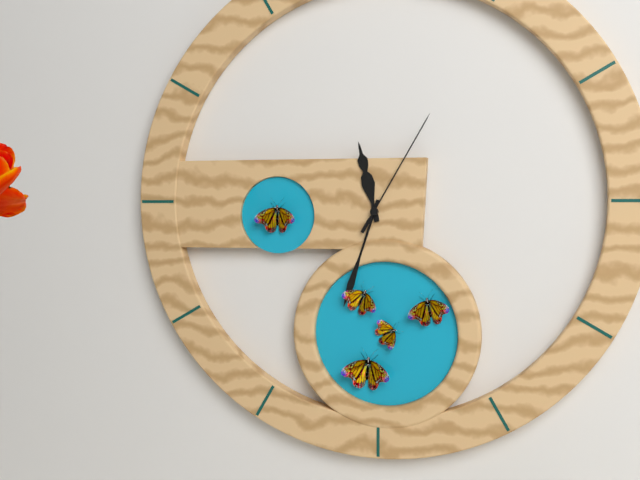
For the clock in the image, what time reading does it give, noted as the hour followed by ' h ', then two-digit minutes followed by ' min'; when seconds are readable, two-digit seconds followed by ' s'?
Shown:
11 h 33 min 05 s
